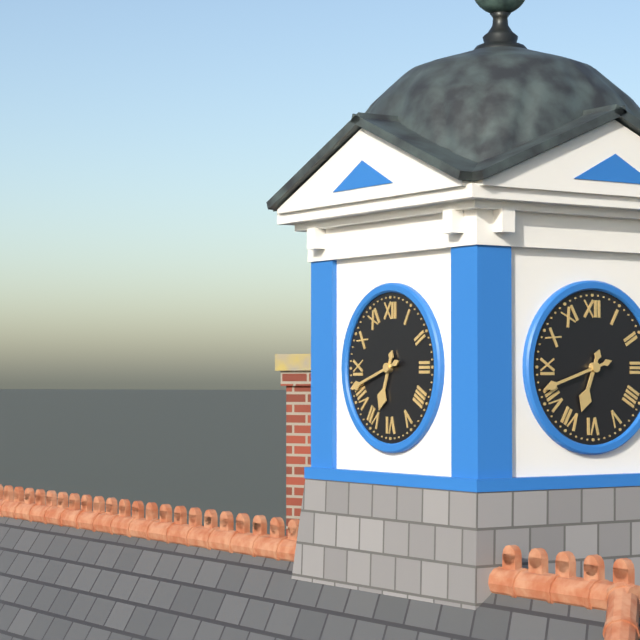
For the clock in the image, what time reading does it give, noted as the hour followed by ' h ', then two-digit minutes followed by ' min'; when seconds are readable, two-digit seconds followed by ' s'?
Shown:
6 h 42 min
